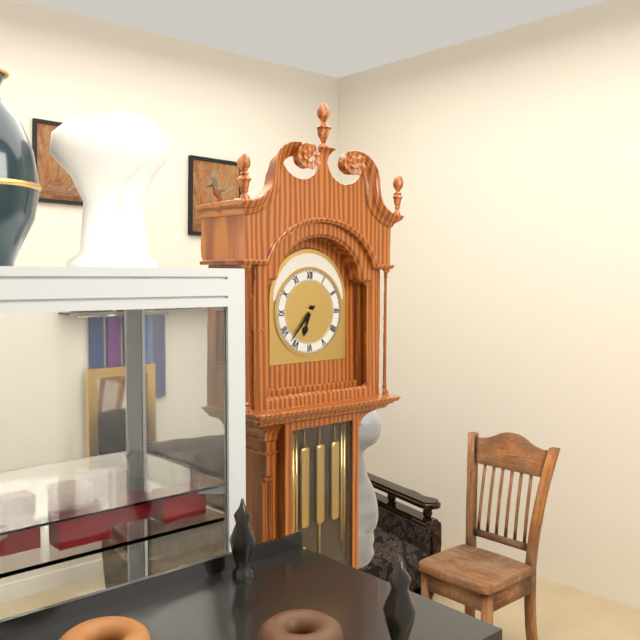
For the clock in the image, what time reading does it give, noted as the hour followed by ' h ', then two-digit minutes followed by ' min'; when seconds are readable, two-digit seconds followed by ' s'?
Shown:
6 h 37 min
